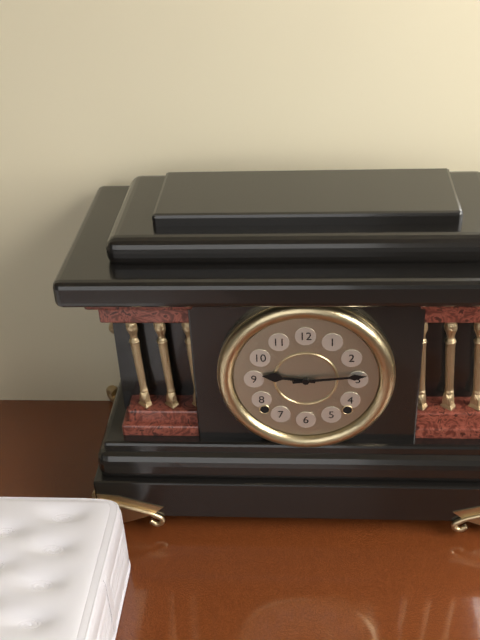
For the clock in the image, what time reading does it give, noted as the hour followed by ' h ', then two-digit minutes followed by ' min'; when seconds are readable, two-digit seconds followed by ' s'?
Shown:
9 h 14 min
